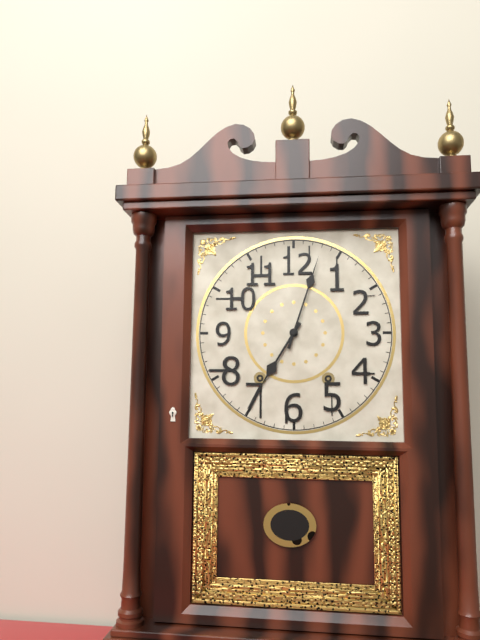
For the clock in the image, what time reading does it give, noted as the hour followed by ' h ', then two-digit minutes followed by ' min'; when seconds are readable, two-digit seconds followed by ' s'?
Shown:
7 h 03 min
